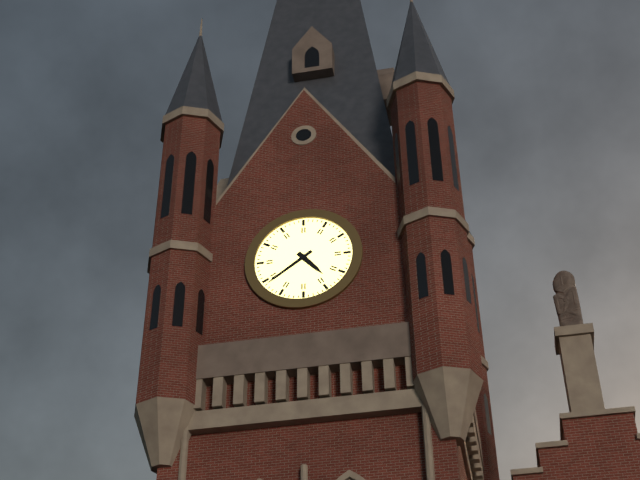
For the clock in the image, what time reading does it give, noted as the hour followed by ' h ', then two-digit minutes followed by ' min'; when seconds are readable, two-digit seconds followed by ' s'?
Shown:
4 h 39 min
